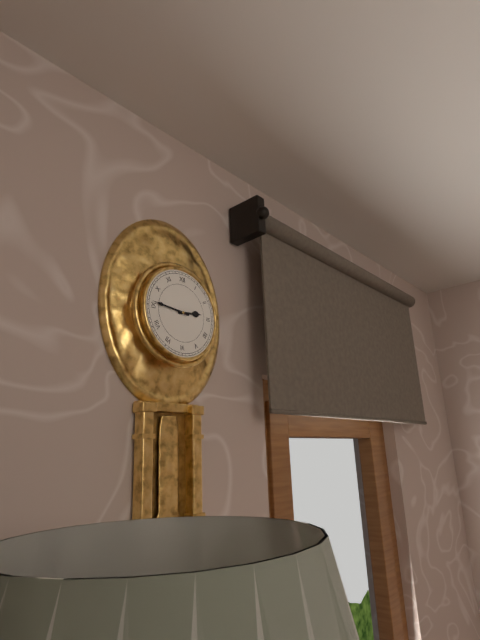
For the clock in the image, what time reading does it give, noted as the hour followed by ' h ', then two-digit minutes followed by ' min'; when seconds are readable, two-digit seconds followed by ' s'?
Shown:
2 h 46 min
